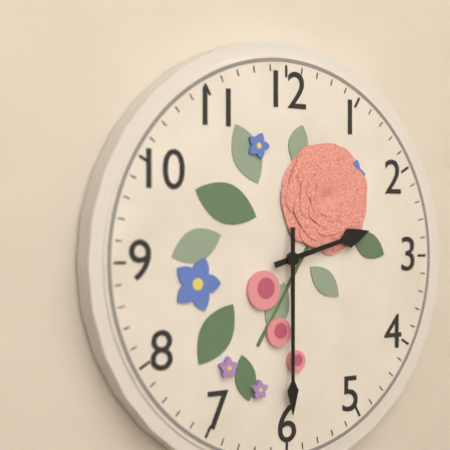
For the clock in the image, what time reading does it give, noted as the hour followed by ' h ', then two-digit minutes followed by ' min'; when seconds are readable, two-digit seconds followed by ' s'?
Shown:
2 h 30 min
